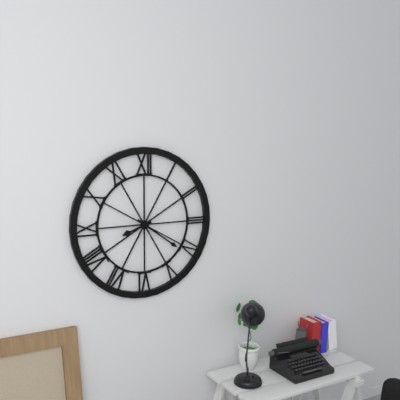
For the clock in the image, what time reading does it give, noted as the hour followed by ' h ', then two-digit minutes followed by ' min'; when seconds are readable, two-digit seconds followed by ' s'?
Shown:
8 h 21 min
